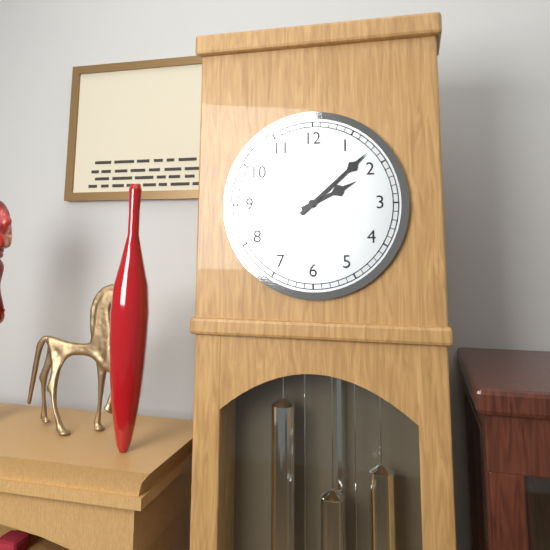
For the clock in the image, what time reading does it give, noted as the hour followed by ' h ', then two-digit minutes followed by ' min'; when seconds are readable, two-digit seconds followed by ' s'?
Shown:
2 h 08 min
